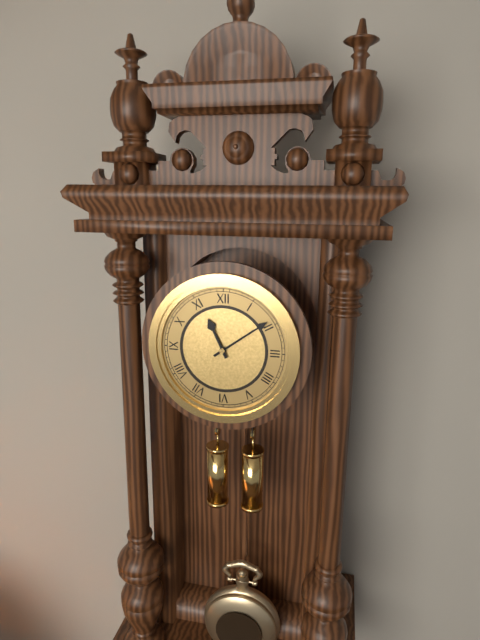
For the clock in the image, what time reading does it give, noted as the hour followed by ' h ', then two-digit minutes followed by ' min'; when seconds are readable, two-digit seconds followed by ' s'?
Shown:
11 h 09 min
